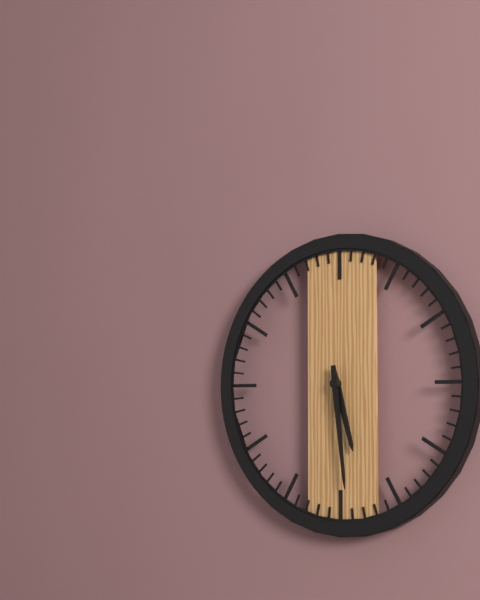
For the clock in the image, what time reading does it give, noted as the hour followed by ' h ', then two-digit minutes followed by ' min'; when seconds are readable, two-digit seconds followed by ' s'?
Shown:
5 h 29 min
